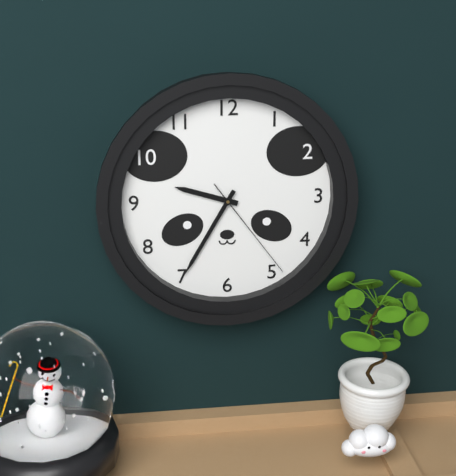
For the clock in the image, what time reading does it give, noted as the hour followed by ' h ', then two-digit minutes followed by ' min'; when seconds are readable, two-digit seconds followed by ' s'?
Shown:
9 h 35 min 24 s
